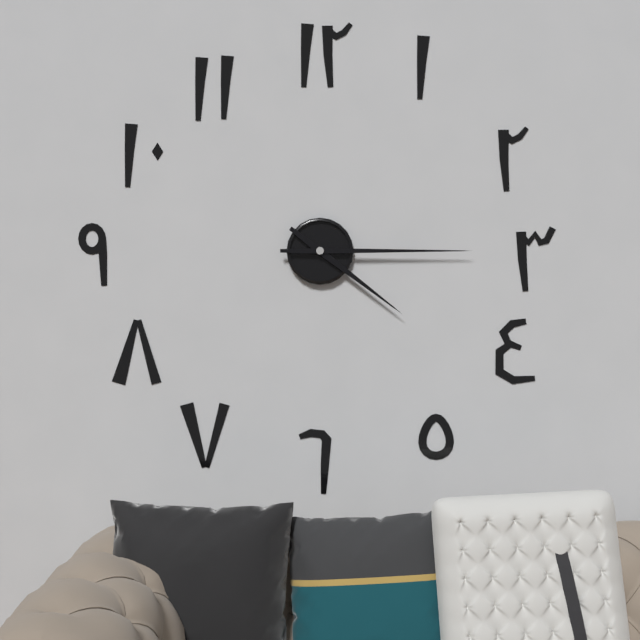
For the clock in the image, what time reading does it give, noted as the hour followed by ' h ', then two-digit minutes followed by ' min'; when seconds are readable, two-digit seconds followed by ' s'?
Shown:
4 h 15 min
